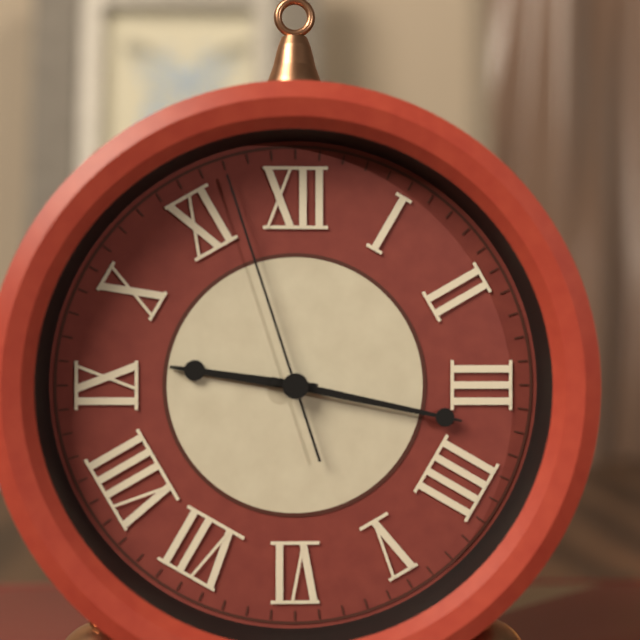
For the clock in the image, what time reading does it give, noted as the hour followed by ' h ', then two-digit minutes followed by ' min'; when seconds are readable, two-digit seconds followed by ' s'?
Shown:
9 h 17 min 57 s
